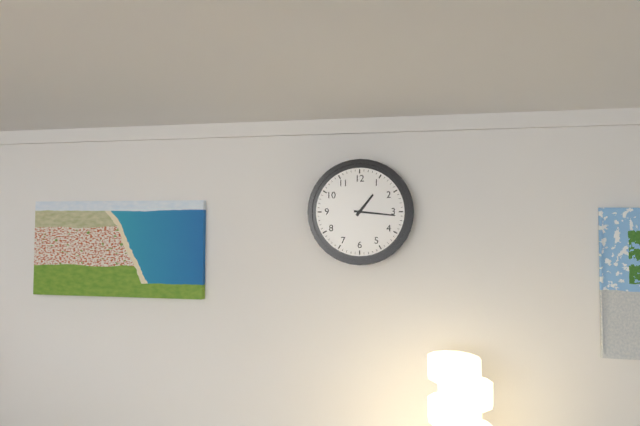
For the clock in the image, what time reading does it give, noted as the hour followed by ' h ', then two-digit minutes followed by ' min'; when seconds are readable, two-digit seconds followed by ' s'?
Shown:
1 h 16 min
